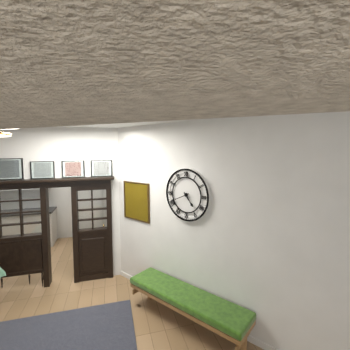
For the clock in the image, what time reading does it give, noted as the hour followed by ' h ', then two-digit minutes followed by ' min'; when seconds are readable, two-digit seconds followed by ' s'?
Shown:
4 h 41 min
